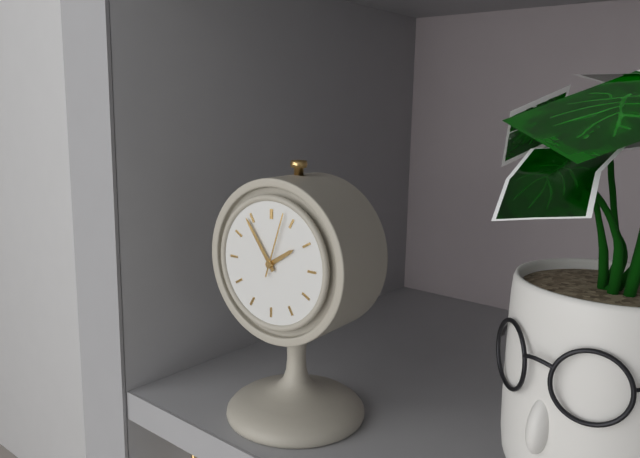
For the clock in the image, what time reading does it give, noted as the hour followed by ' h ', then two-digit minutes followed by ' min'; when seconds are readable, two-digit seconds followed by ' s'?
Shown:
1 h 54 min 03 s
